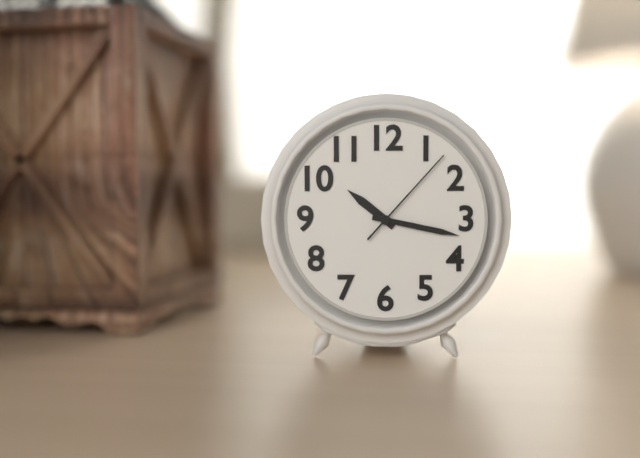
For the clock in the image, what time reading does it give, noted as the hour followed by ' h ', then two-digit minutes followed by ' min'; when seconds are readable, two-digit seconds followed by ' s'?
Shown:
10 h 17 min 07 s
